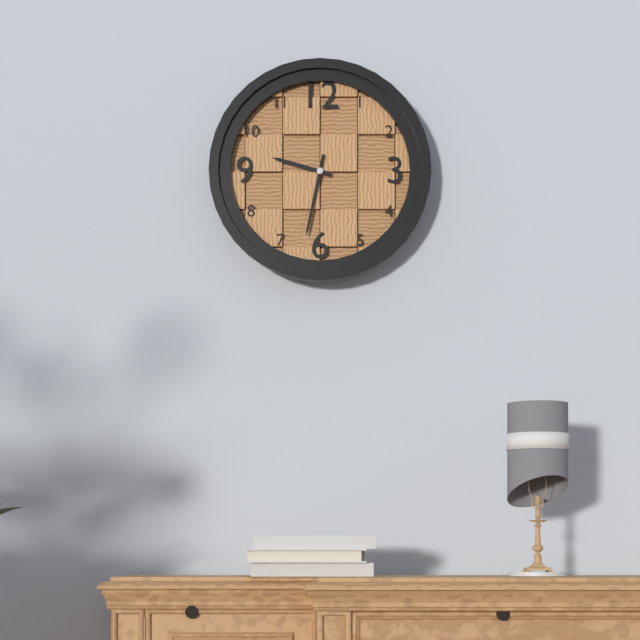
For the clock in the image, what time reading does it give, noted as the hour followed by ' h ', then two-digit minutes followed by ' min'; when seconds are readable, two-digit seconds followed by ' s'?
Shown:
9 h 32 min
